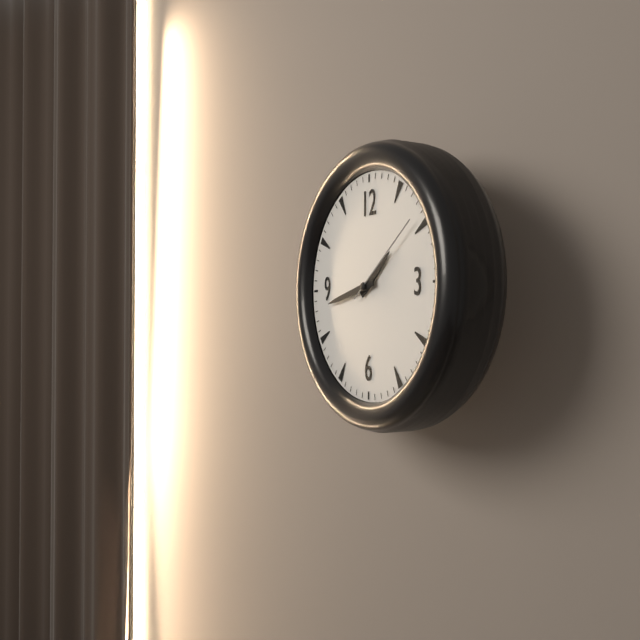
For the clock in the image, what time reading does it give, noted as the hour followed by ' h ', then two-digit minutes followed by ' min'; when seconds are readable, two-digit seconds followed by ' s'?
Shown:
1 h 43 min 09 s
